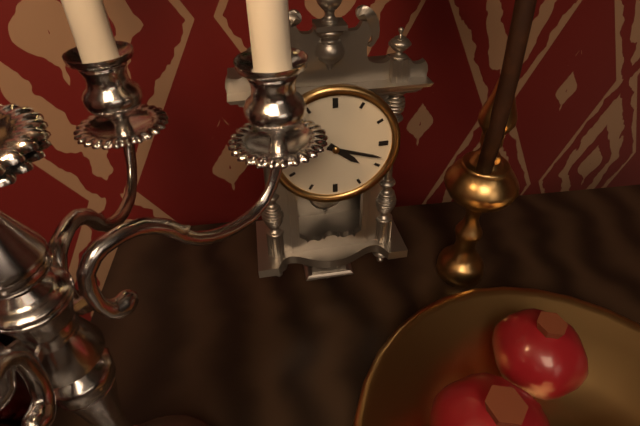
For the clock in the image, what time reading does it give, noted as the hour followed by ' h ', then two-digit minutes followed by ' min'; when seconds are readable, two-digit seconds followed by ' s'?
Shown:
4 h 18 min
